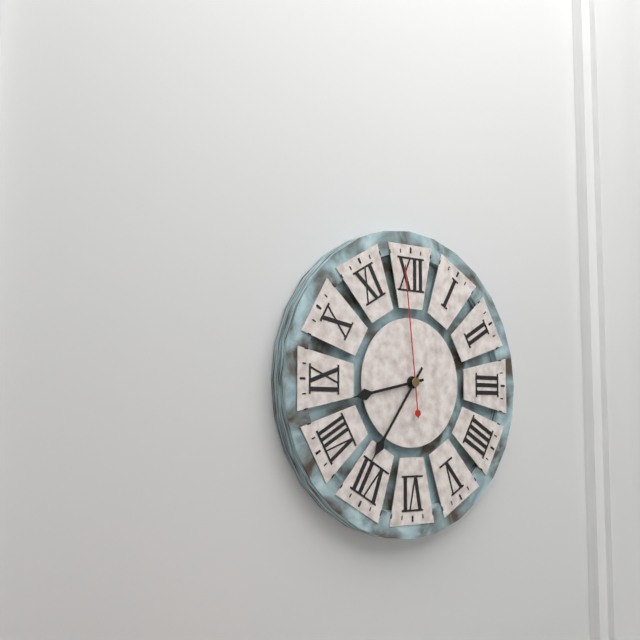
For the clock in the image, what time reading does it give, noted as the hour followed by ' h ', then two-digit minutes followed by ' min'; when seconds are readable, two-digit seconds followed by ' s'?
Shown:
8 h 36 min 59 s
